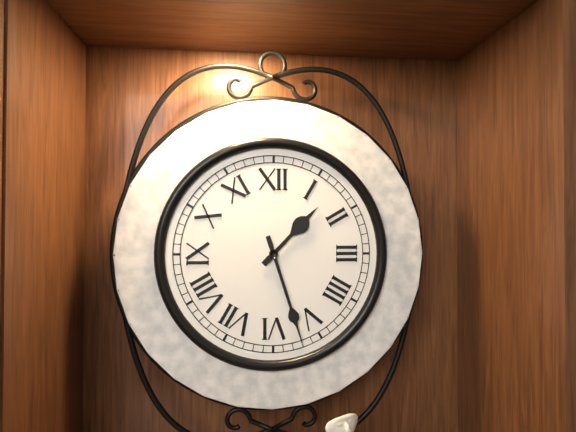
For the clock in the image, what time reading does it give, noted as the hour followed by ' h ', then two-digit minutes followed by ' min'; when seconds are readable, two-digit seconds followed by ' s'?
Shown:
1 h 27 min
